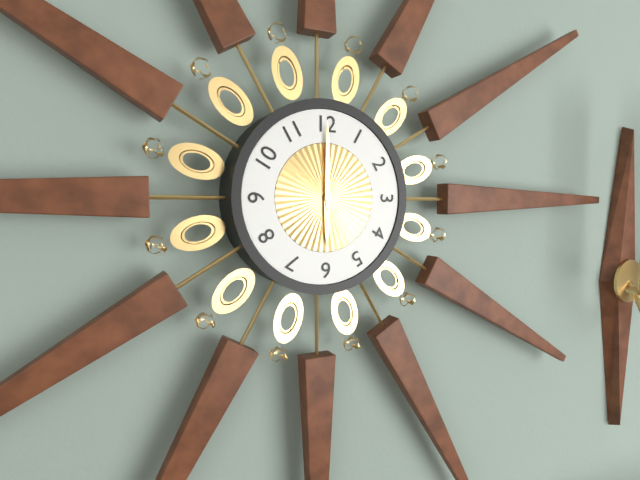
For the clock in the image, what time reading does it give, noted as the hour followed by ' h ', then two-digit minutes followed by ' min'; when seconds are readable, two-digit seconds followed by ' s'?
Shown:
6 h 00 min
